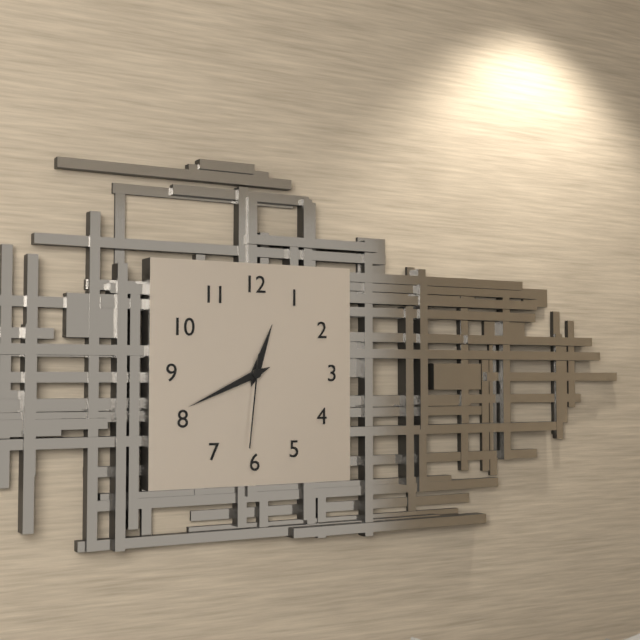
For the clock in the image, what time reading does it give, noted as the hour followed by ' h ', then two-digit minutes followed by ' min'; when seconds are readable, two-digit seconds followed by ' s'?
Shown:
12 h 41 min 31 s
